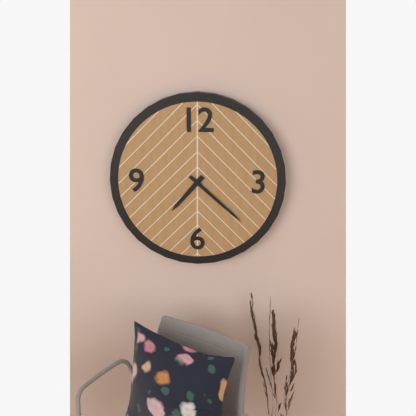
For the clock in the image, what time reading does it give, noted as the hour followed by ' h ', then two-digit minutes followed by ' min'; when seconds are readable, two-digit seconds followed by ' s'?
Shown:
7 h 22 min
